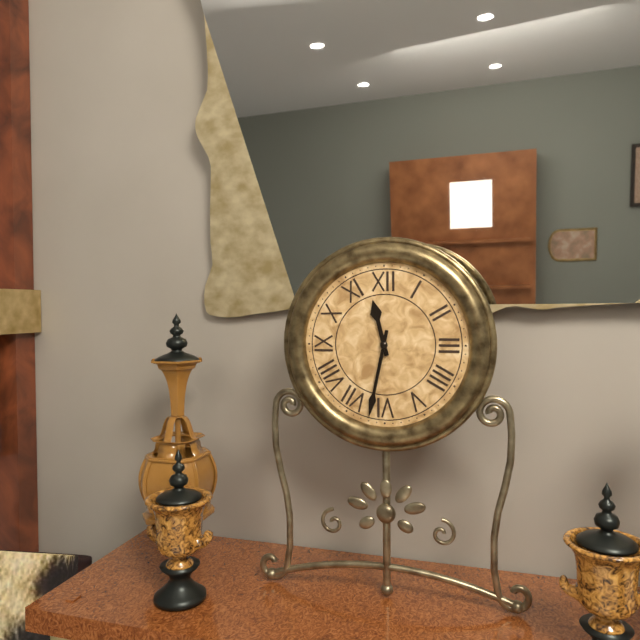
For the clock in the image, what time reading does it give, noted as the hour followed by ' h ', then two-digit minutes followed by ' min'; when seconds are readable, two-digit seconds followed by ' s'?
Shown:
11 h 32 min
